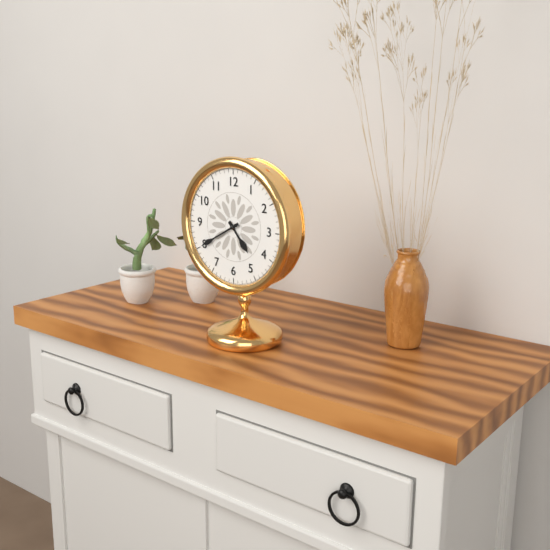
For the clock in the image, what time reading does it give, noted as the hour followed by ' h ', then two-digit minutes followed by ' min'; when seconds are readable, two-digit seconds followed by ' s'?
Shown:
4 h 40 min
